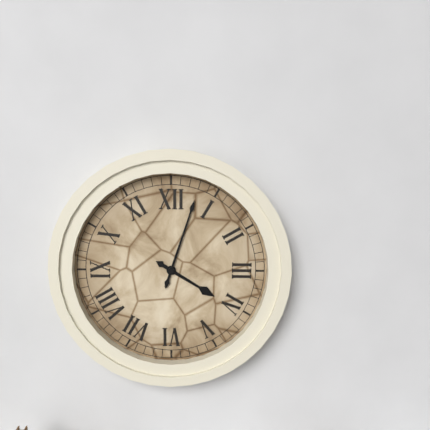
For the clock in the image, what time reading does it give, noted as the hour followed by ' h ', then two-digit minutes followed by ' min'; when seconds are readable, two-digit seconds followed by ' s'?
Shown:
4 h 03 min
